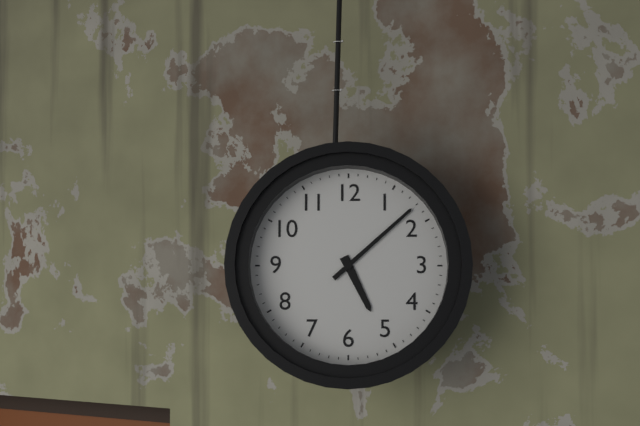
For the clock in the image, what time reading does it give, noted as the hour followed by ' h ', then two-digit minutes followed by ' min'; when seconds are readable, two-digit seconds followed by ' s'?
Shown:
5 h 08 min
